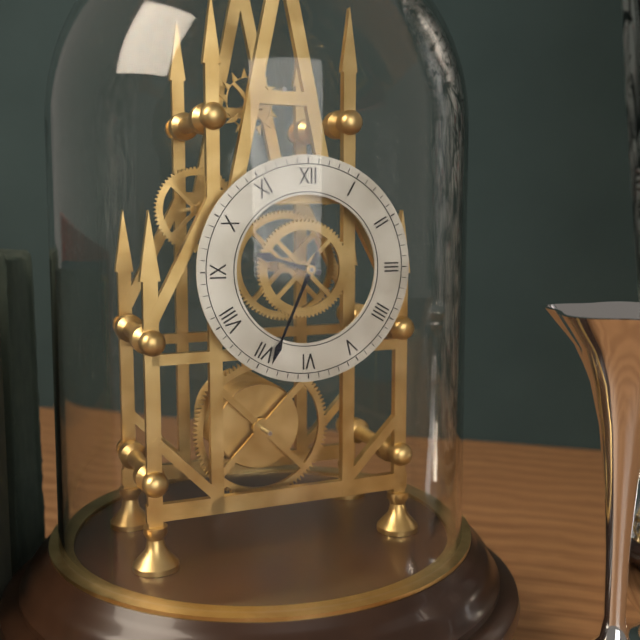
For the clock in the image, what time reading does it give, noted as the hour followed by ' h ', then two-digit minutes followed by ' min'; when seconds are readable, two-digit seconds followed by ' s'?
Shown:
9 h 34 min
